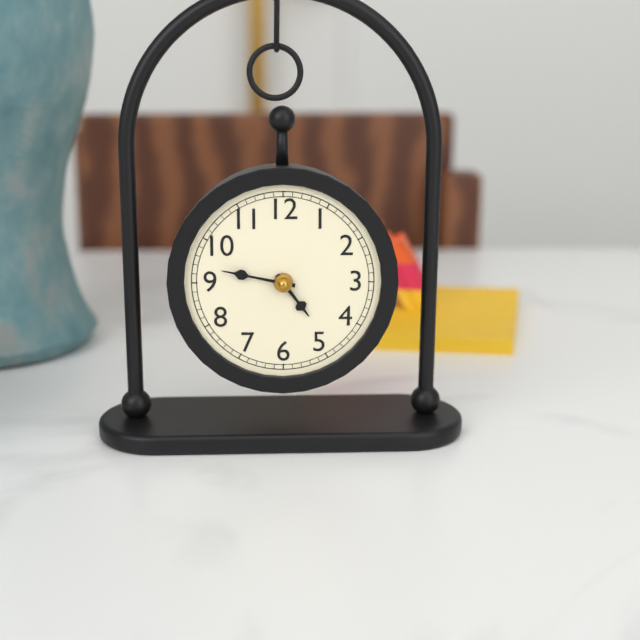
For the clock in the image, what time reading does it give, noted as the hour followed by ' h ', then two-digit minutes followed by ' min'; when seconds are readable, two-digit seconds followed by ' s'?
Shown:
4 h 47 min
